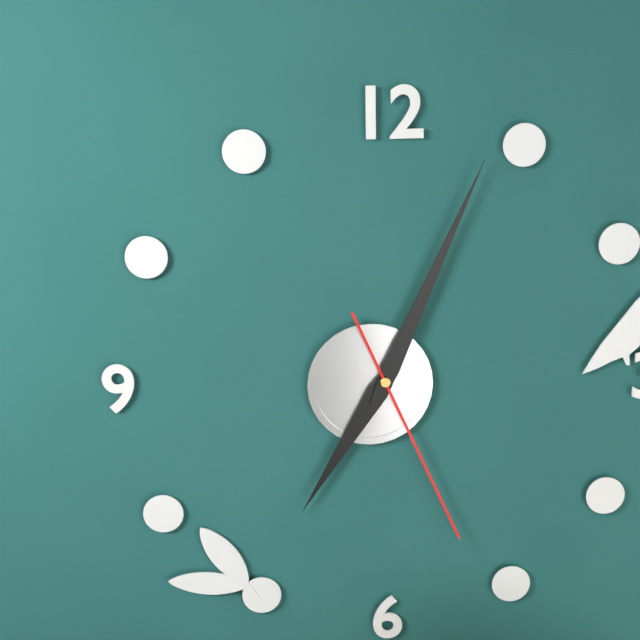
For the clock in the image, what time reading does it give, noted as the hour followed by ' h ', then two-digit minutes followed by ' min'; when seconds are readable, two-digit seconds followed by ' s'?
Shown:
7 h 04 min 26 s
